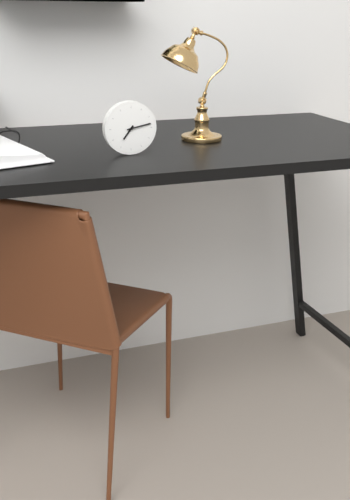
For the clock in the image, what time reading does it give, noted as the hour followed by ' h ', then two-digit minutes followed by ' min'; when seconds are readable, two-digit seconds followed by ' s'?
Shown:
7 h 13 min
